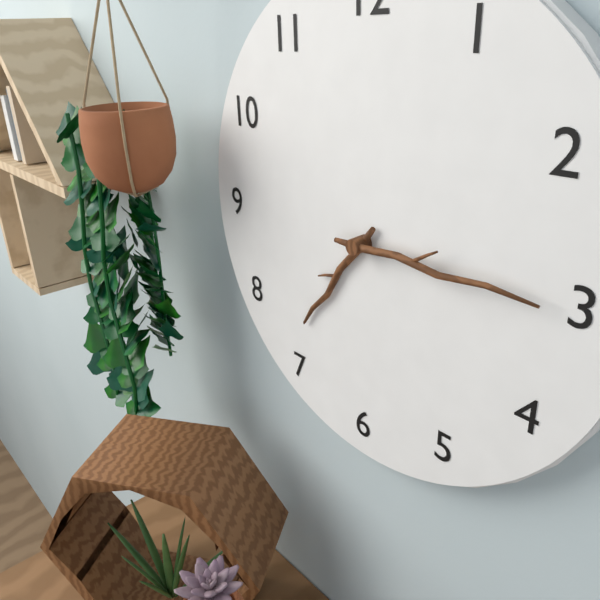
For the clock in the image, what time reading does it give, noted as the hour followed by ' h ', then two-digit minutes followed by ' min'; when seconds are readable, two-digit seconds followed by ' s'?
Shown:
7 h 15 min
